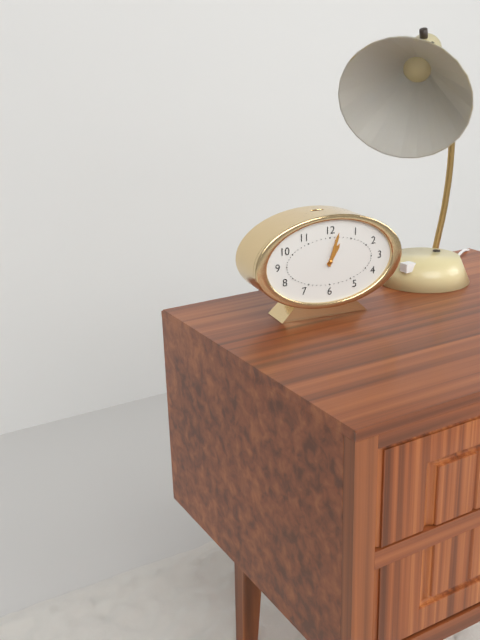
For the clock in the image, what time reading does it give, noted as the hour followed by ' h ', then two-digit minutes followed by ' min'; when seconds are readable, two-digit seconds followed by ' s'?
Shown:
1 h 03 min
